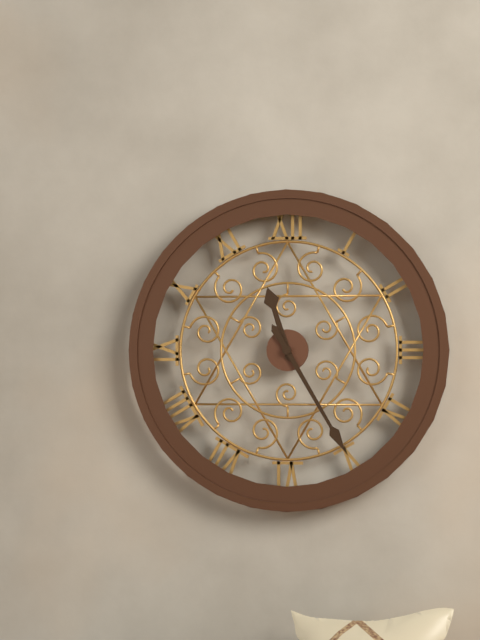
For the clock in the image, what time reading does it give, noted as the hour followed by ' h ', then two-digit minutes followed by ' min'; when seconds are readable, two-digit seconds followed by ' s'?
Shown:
11 h 25 min
